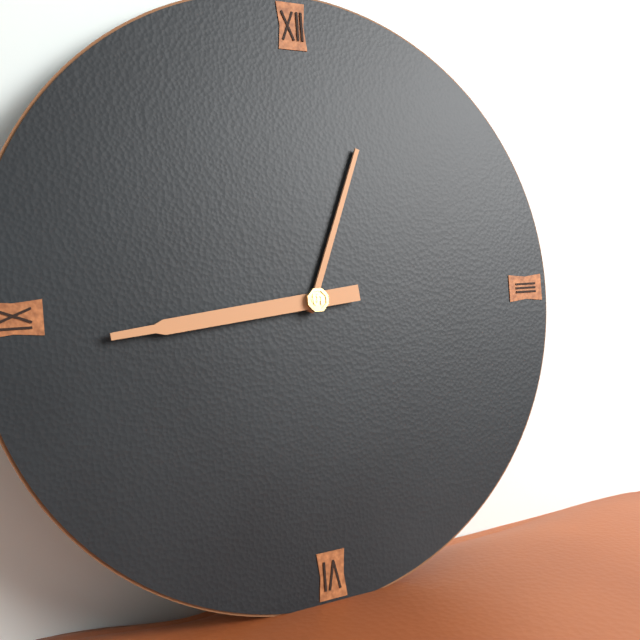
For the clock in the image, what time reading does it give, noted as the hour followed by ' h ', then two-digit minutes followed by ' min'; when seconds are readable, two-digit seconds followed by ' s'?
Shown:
12 h 44 min
